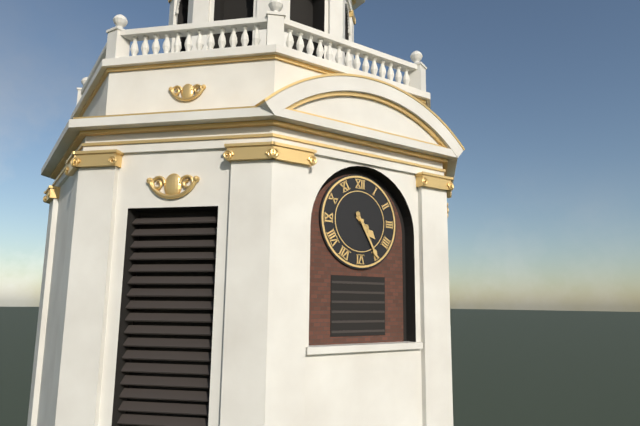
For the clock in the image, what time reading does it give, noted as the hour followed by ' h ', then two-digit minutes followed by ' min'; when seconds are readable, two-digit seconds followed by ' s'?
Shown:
4 h 25 min
